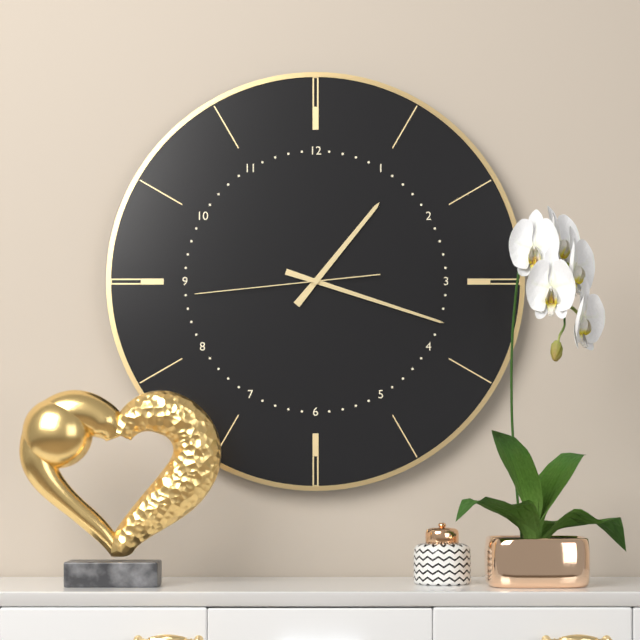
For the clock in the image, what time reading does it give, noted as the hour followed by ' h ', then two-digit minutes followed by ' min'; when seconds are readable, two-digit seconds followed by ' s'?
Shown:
1 h 18 min 44 s
